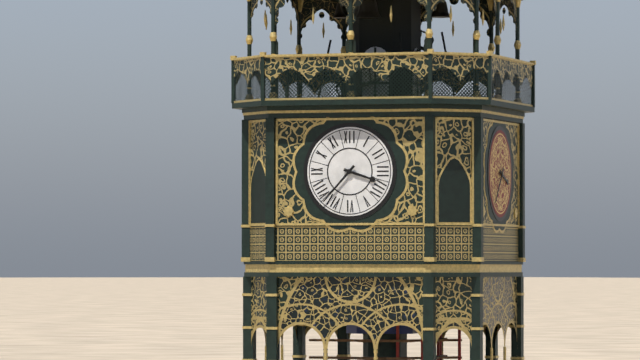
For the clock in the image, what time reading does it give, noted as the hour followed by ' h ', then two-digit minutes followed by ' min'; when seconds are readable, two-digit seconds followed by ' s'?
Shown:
3 h 37 min
